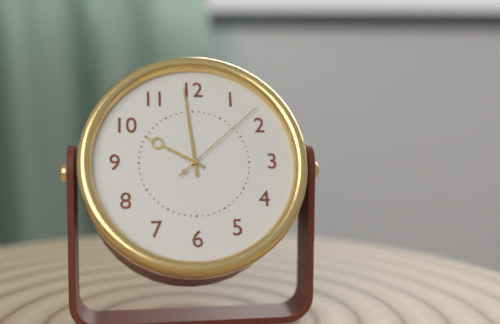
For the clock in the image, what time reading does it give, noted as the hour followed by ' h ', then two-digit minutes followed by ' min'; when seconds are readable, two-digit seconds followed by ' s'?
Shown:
9 h 59 min 08 s
